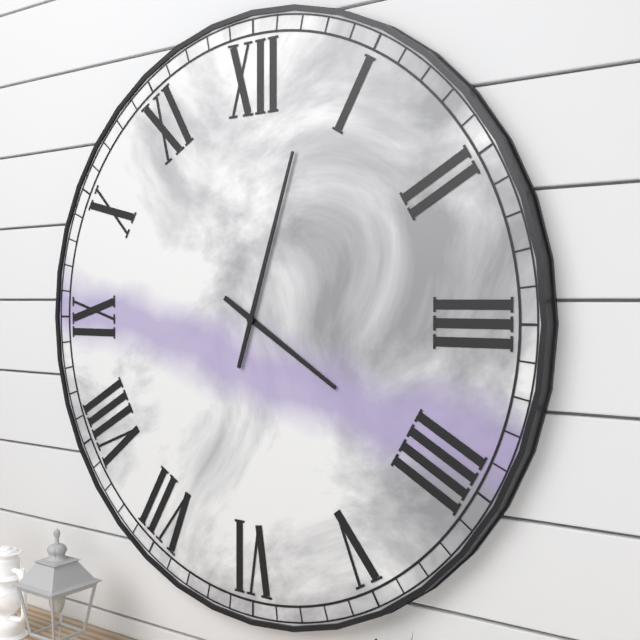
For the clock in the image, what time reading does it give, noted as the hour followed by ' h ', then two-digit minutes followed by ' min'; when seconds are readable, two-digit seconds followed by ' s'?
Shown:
4 h 03 min
